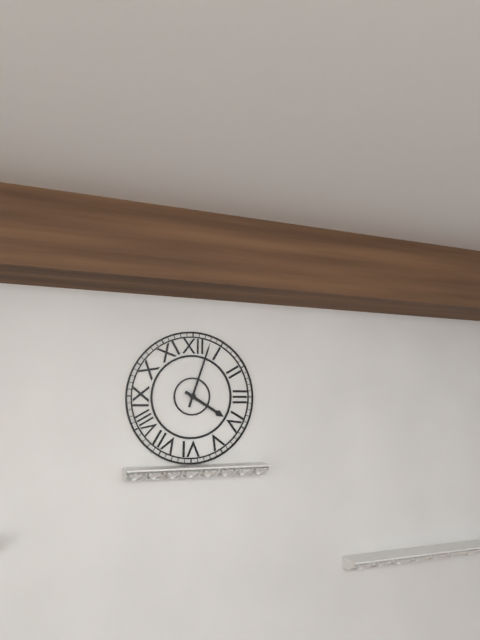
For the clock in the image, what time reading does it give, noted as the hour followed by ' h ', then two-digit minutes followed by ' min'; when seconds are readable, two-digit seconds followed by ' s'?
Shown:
4 h 03 min
